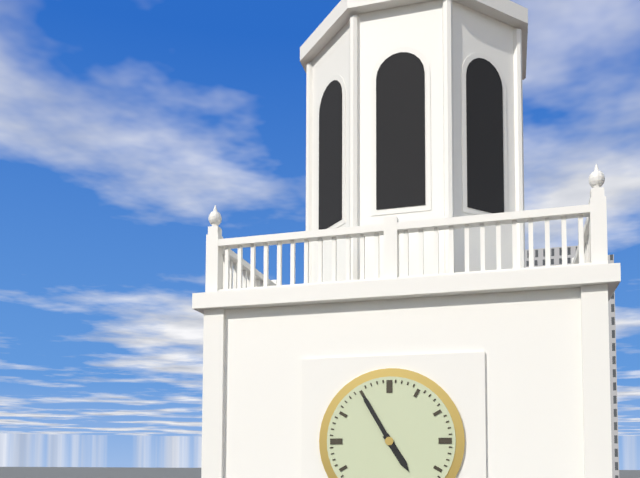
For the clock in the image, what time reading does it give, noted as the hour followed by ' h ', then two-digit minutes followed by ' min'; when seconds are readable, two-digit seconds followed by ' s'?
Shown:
4 h 55 min
